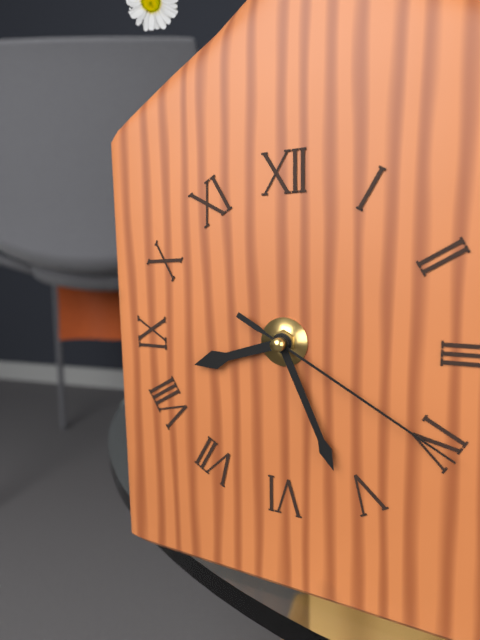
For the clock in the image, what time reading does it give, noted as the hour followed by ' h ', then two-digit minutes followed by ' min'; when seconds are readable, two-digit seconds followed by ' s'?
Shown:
8 h 26 min 20 s
